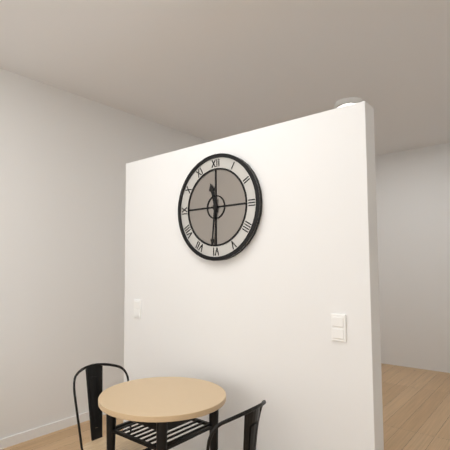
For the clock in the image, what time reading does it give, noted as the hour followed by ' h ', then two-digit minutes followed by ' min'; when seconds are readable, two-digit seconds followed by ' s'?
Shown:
11 h 31 min
